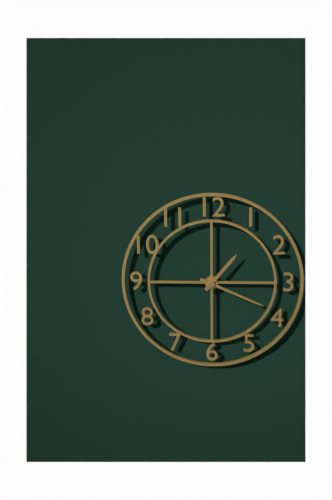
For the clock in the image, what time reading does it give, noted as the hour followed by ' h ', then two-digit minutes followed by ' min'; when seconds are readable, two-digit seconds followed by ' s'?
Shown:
1 h 19 min
